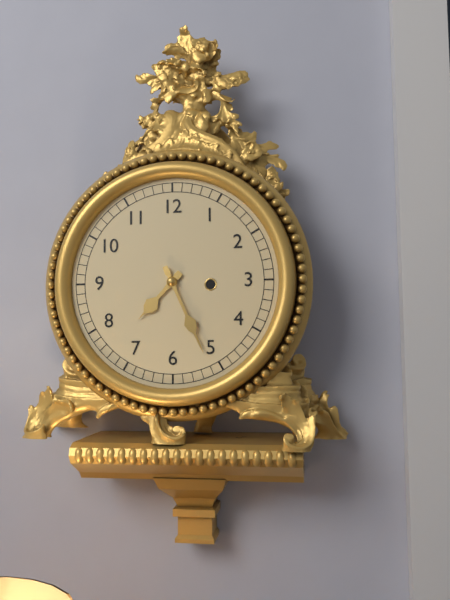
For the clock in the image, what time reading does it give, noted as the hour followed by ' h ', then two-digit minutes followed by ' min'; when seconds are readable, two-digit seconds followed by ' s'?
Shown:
7 h 26 min
